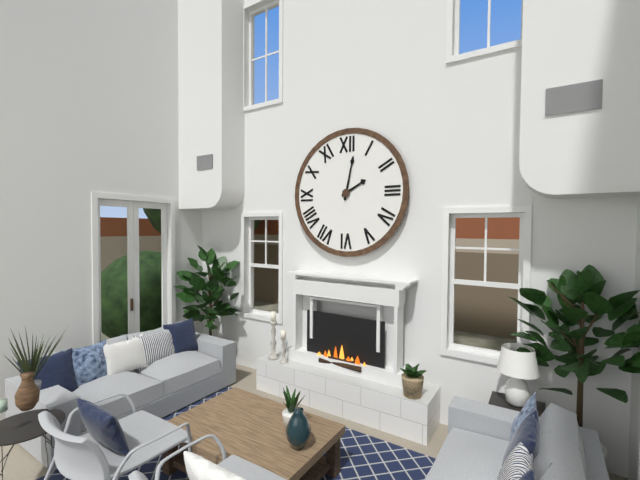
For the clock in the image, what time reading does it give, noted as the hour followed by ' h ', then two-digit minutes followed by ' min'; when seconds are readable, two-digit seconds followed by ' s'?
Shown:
2 h 02 min
